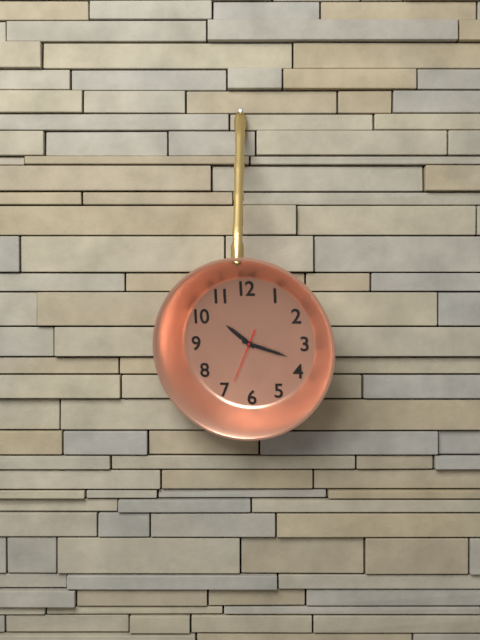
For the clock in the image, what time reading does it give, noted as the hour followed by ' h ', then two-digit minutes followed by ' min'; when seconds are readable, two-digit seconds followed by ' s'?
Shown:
10 h 18 min 34 s
